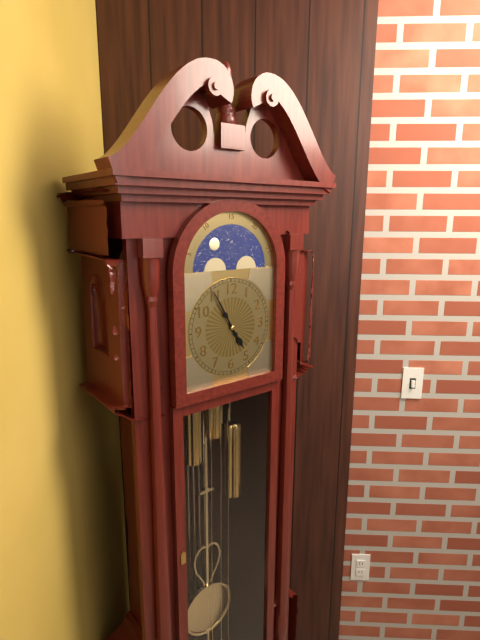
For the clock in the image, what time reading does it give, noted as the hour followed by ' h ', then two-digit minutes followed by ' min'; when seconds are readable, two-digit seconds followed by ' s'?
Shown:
4 h 55 min
